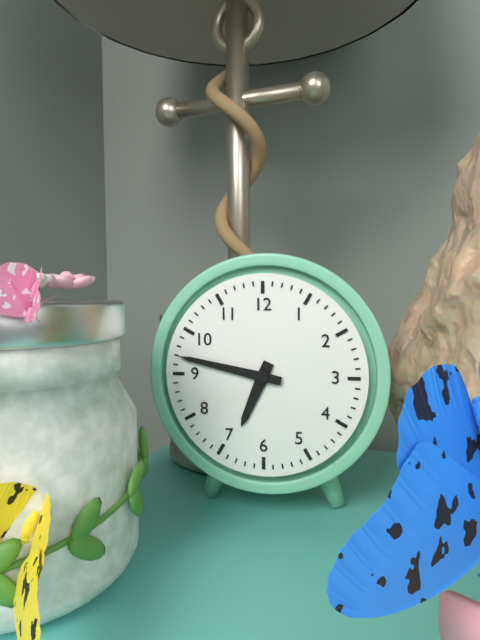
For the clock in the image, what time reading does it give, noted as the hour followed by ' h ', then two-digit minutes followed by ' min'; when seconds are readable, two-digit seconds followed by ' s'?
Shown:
6 h 47 min
